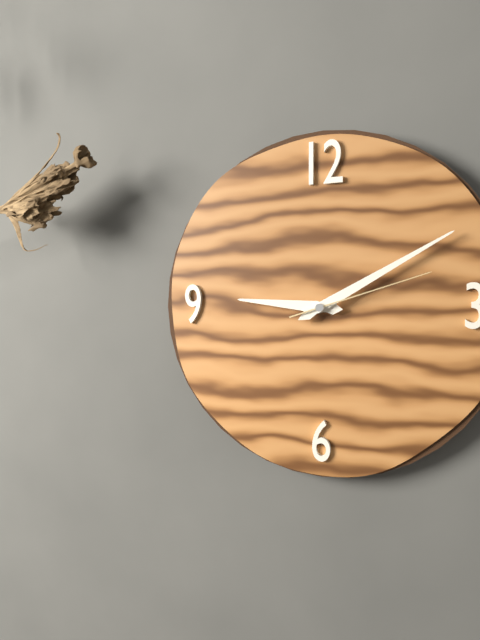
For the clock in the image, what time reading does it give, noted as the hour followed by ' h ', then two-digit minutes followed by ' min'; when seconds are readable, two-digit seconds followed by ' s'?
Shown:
9 h 10 min 12 s
